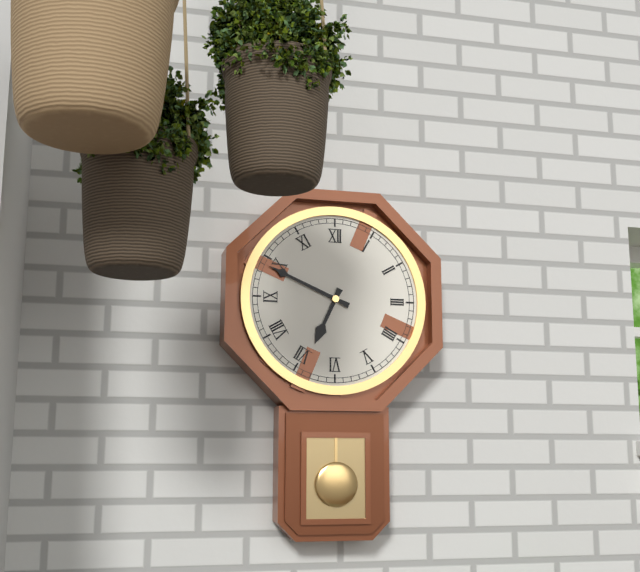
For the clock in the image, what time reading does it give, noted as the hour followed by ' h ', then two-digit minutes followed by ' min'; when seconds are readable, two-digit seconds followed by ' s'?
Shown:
6 h 49 min
